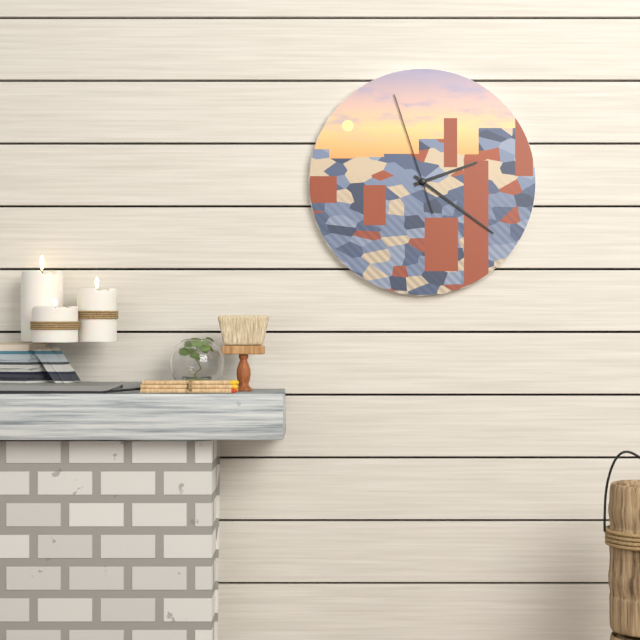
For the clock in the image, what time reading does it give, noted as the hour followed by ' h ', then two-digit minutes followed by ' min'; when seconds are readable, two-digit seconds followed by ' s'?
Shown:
2 h 21 min 57 s
